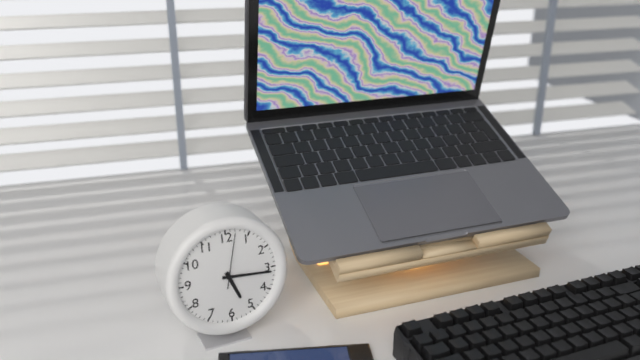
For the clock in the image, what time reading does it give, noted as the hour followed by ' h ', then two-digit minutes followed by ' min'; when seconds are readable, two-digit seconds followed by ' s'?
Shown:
5 h 16 min 02 s
